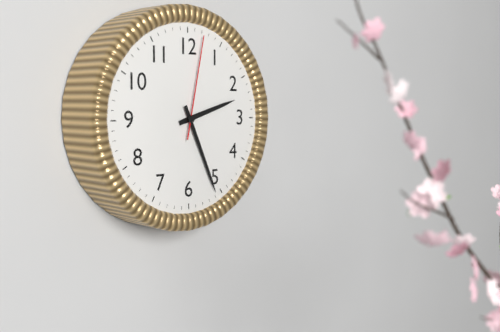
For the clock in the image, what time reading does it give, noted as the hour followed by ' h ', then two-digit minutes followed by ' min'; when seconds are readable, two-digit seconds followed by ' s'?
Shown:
2 h 26 min 02 s
